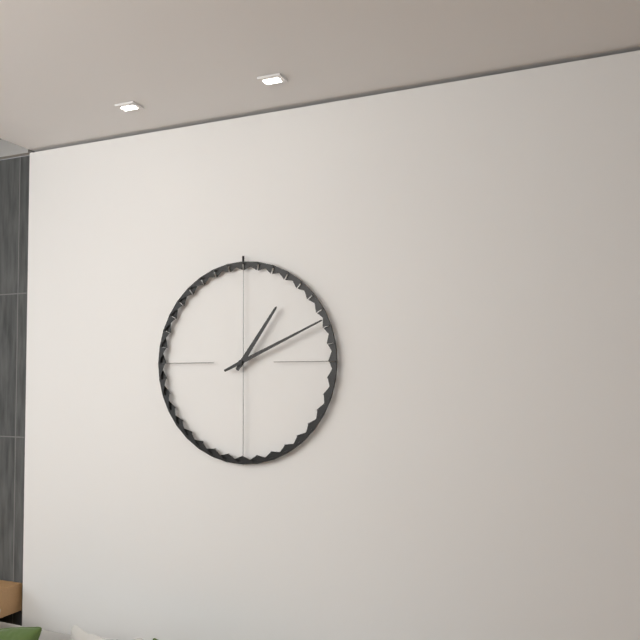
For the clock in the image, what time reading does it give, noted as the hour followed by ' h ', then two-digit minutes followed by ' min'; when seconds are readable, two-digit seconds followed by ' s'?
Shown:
1 h 11 min
